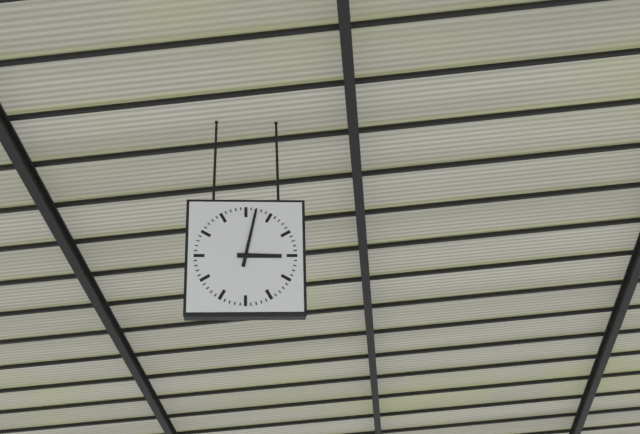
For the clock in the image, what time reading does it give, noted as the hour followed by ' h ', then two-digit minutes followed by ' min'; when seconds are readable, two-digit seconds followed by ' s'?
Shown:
3 h 02 min
